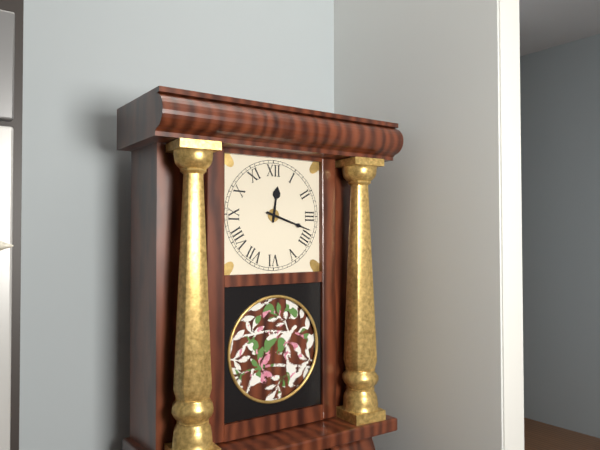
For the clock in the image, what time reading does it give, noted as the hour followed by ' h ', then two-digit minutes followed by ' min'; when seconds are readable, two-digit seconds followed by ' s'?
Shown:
12 h 18 min
